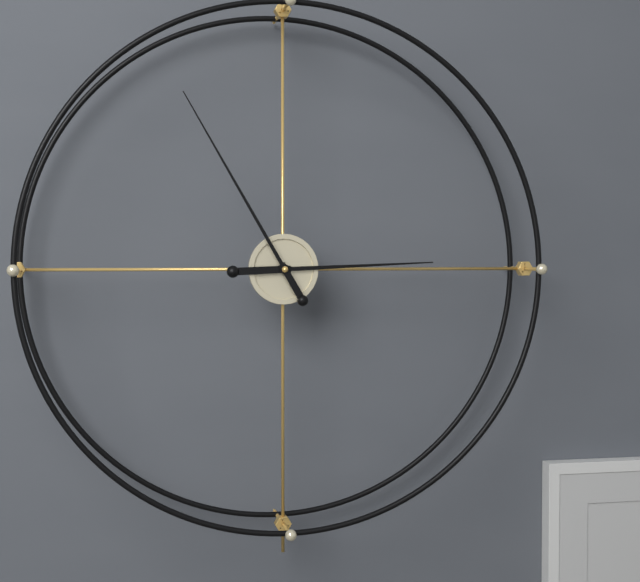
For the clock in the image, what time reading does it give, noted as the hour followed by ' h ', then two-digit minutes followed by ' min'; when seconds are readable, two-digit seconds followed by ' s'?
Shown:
2 h 55 min
